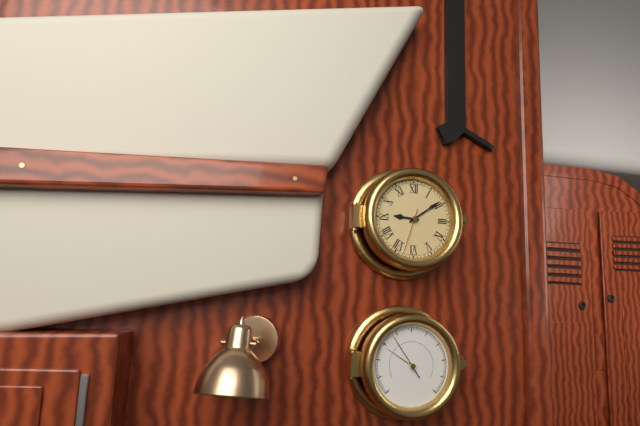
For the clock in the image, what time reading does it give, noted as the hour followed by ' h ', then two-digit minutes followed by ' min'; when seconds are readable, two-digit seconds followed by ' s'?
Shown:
9 h 09 min
